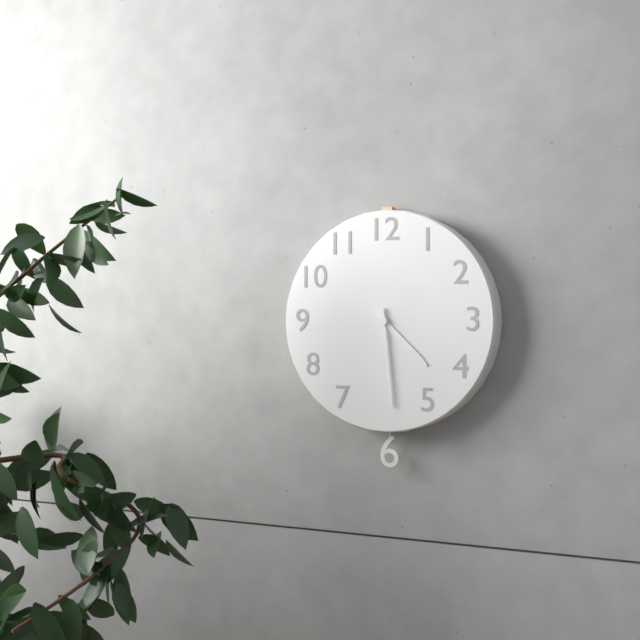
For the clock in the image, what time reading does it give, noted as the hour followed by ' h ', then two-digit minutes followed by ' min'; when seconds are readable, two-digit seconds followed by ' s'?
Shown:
4 h 29 min
